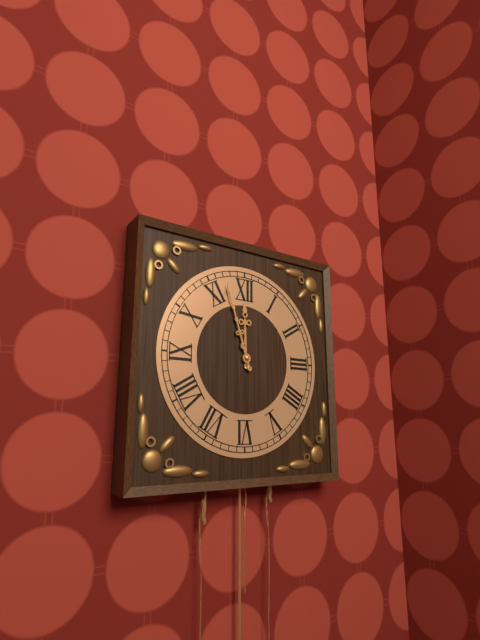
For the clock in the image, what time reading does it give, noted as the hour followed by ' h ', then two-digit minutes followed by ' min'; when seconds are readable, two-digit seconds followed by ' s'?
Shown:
11 h 57 min
